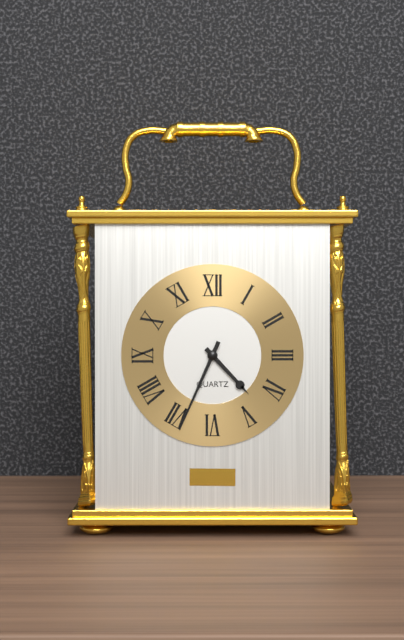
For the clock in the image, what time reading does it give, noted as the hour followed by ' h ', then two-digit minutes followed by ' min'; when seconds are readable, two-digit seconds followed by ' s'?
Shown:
4 h 34 min
